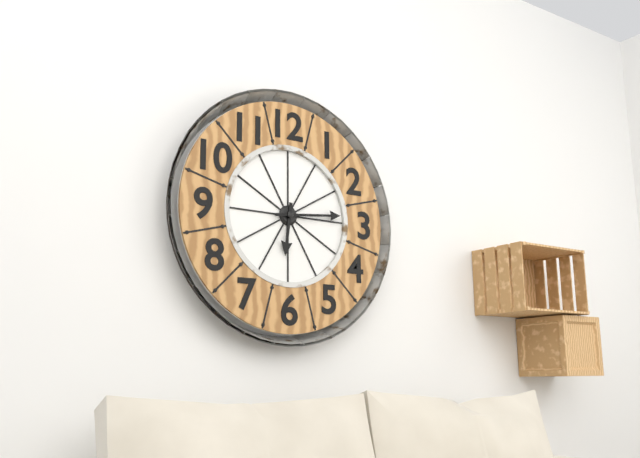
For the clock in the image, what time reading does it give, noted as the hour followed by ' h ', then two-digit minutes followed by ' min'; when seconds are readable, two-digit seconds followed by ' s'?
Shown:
6 h 14 min
